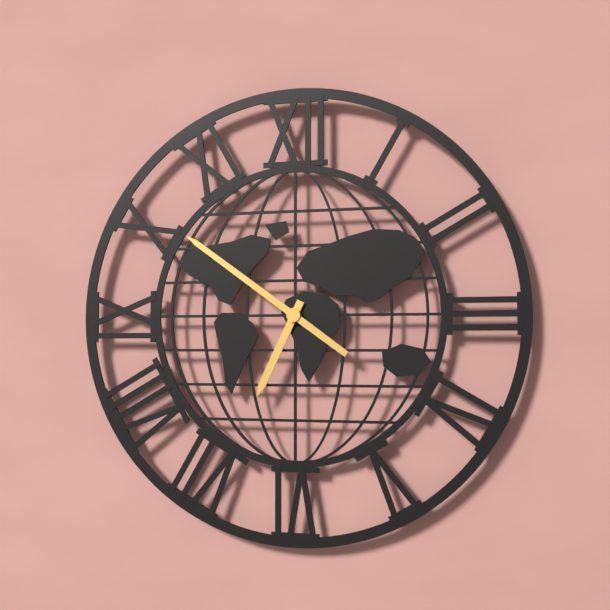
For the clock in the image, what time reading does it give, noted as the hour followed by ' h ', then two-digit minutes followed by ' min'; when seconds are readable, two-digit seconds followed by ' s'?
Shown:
6 h 51 min
